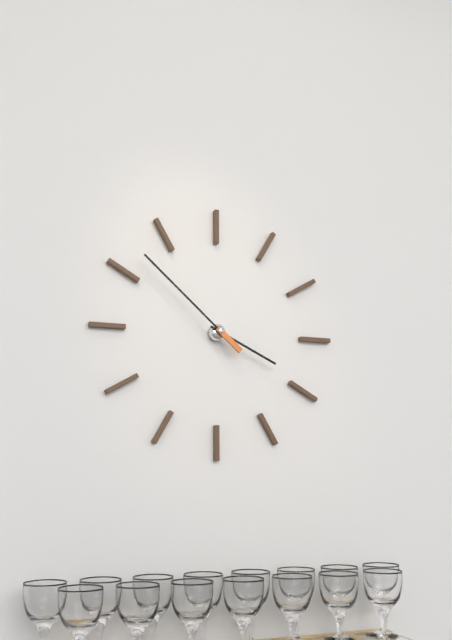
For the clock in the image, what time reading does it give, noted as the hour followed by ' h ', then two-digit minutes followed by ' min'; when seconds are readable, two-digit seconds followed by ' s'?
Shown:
3 h 52 min
